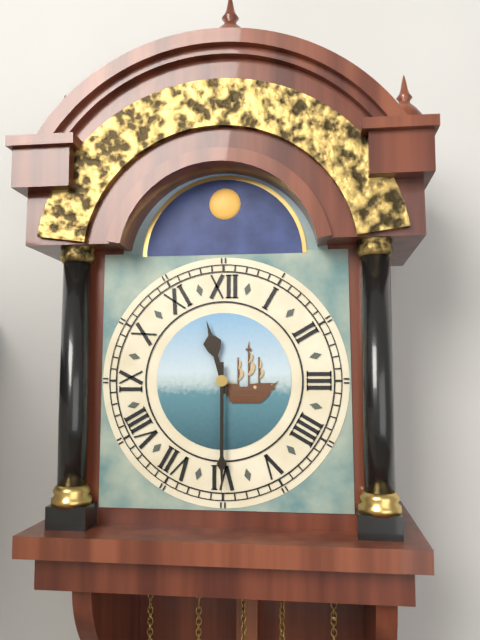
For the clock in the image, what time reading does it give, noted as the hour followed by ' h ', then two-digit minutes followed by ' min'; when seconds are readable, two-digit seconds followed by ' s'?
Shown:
11 h 30 min
